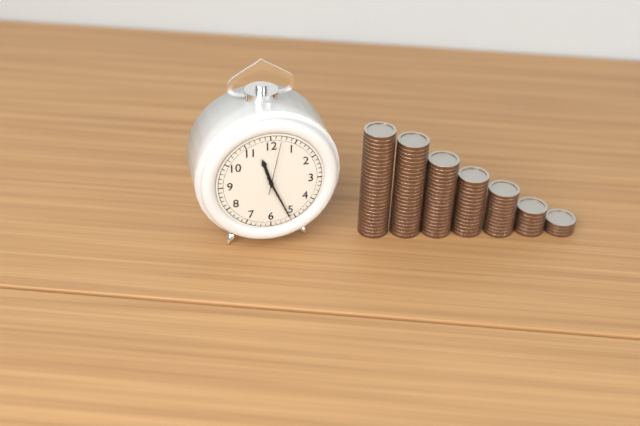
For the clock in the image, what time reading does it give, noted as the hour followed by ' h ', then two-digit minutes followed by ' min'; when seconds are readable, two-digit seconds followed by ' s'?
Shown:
11 h 26 min 02 s
